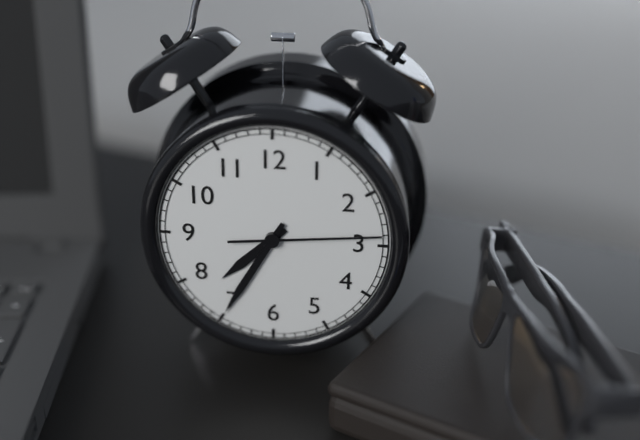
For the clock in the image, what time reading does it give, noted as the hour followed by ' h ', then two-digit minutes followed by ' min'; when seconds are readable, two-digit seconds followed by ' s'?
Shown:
7 h 35 min 14 s
